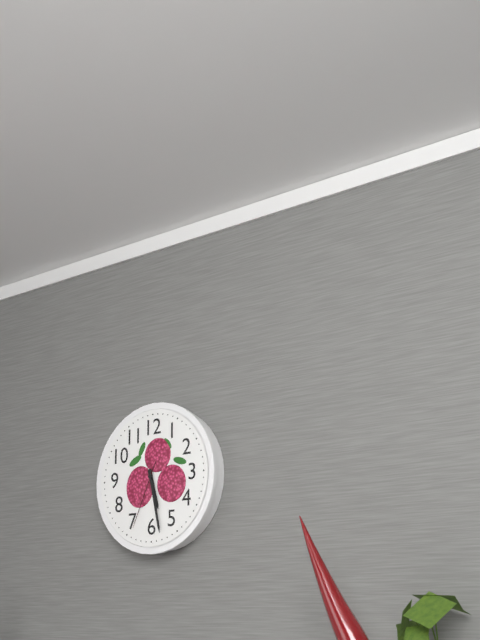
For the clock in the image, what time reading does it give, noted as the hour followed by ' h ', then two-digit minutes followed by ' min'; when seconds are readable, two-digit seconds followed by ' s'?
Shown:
5 h 28 min 34 s
